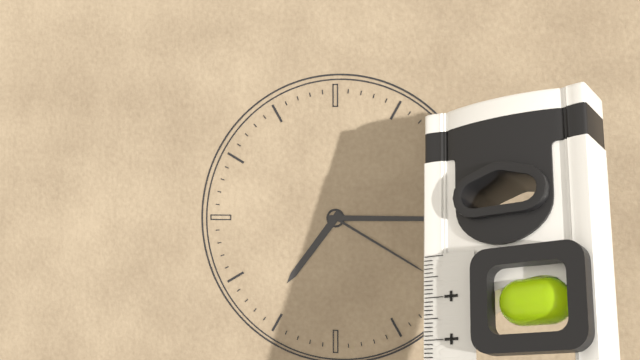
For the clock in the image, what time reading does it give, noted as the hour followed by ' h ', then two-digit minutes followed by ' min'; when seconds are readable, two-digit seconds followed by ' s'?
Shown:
7 h 15 min 20 s
